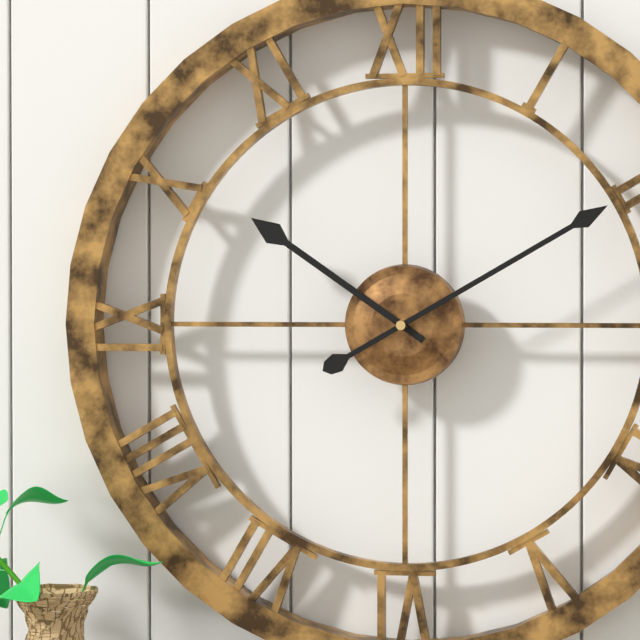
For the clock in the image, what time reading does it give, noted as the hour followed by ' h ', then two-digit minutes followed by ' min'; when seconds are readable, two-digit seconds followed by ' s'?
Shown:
10 h 10 min
